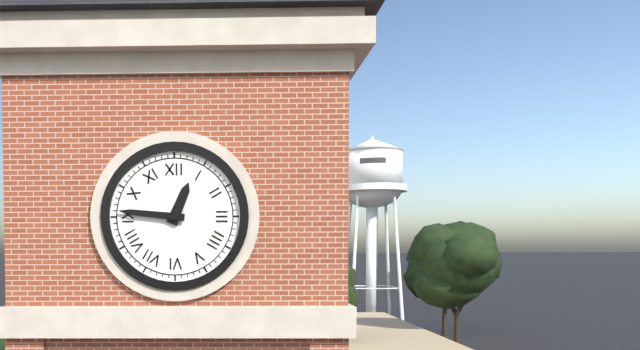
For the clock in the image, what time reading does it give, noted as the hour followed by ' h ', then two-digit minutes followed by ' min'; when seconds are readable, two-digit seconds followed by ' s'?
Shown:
12 h 46 min
